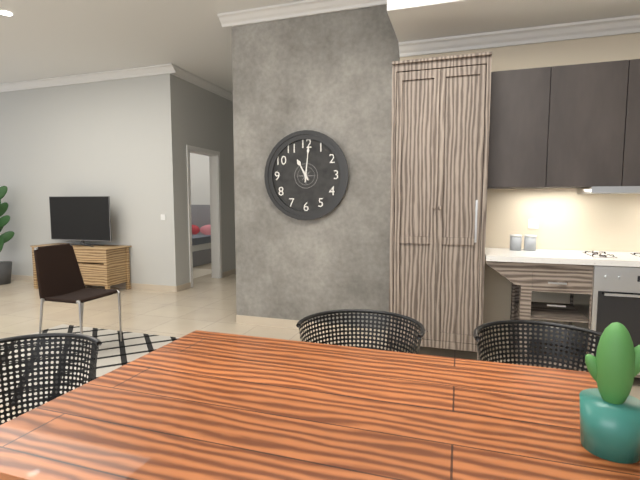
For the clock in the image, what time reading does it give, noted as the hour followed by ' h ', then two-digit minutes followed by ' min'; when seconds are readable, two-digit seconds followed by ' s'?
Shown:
11 h 01 min
